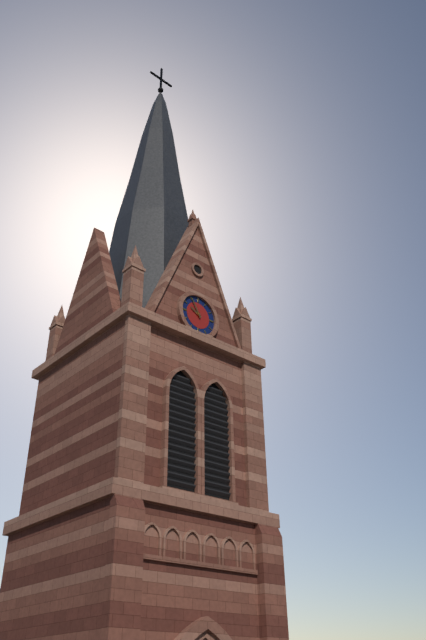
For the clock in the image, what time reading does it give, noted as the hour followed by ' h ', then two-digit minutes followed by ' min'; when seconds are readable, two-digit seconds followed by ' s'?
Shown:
9 h 55 min
